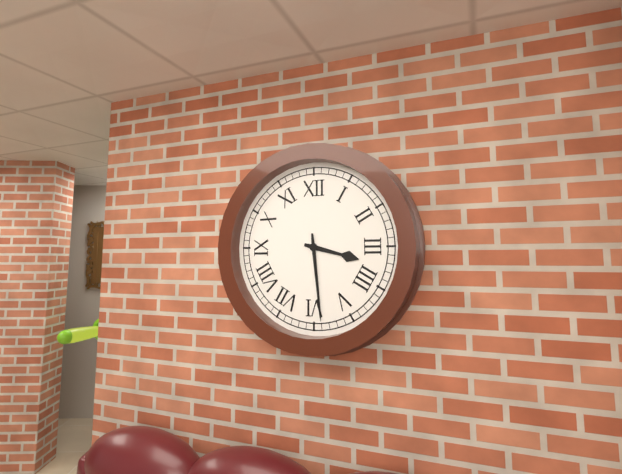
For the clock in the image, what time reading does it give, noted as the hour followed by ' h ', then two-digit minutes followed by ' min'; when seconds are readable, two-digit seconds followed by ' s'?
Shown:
3 h 29 min
